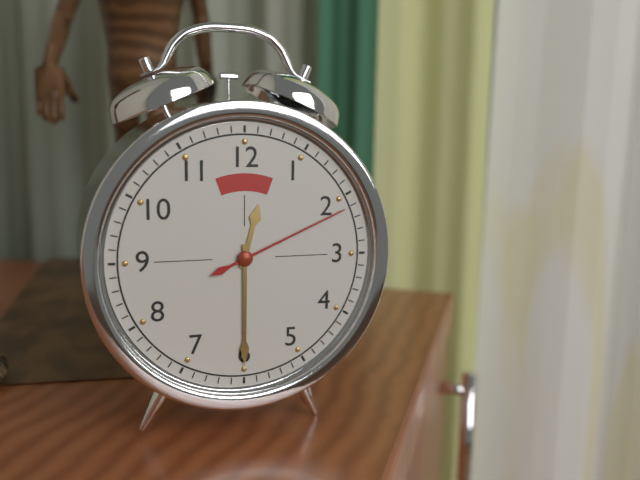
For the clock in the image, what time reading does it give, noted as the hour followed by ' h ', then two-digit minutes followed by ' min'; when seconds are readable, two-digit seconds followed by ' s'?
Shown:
12 h 30 min 11 s
